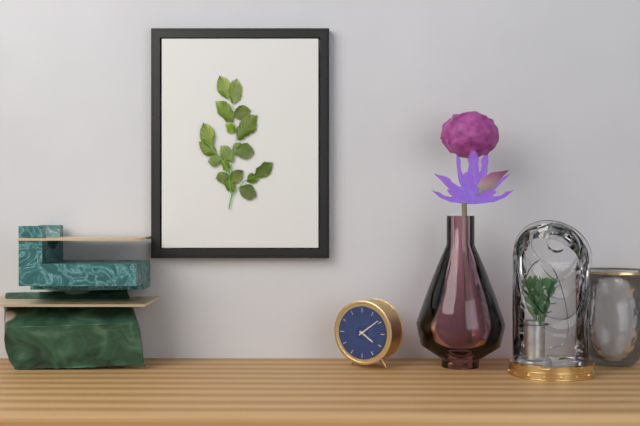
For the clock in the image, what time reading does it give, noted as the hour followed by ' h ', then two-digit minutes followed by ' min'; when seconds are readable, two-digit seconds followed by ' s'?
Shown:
4 h 09 min
